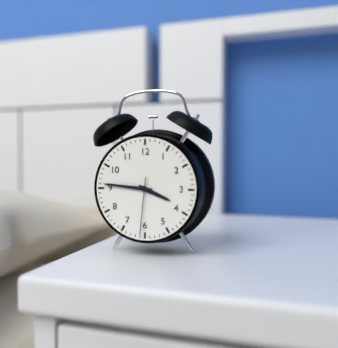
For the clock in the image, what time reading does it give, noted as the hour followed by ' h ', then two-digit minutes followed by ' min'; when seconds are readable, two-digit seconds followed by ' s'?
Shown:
3 h 46 min 31 s
